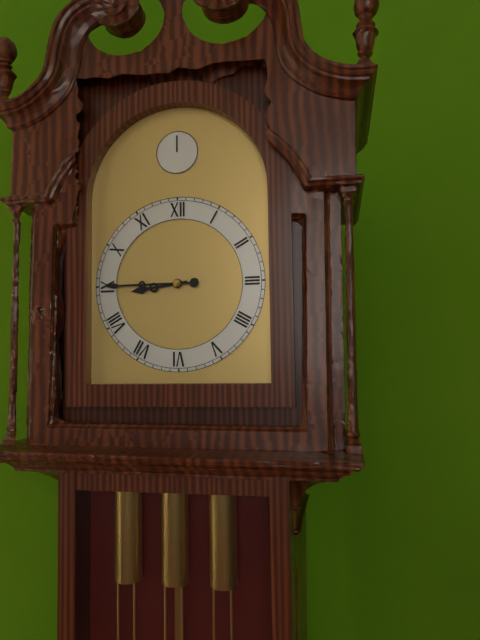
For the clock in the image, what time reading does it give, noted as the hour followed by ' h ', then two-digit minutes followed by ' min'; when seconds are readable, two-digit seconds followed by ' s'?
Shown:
8 h 45 min
